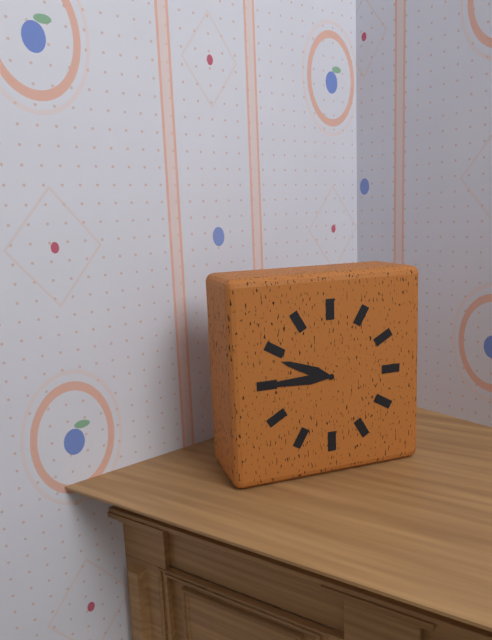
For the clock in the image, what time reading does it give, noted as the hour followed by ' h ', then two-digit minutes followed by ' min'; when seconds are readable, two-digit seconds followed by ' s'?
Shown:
9 h 45 min
